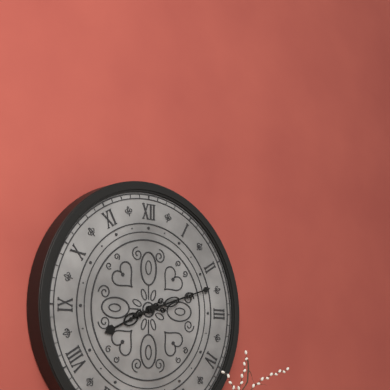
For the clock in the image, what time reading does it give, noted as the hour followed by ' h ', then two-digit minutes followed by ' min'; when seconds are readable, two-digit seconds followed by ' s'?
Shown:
8 h 12 min
